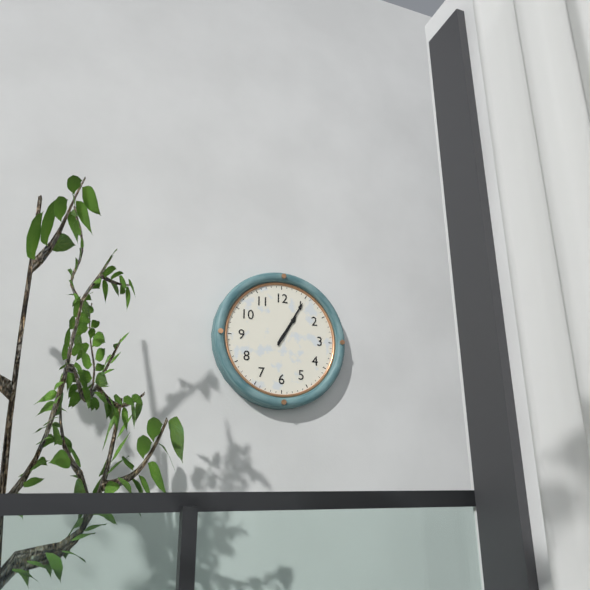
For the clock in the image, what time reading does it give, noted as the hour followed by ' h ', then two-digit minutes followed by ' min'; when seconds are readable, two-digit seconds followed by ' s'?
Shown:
1 h 05 min
